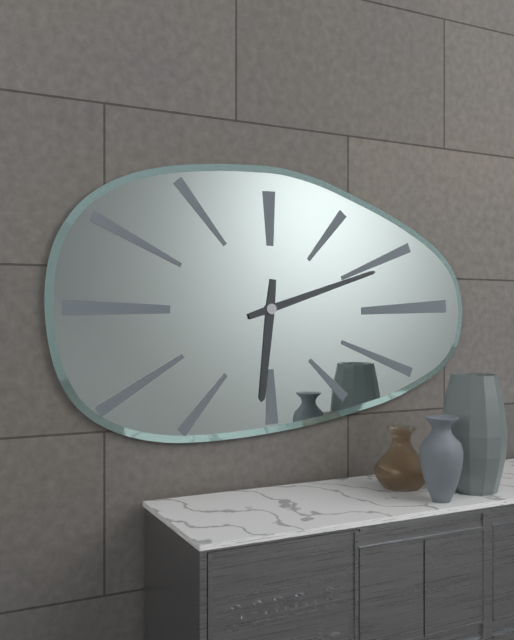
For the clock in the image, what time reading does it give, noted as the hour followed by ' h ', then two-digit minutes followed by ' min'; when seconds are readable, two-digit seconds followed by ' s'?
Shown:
6 h 12 min
